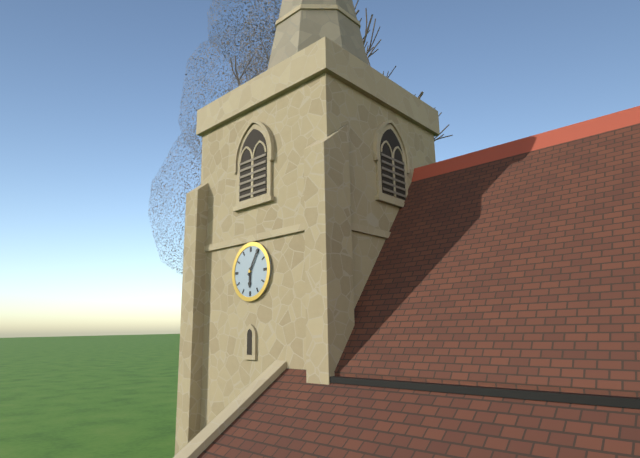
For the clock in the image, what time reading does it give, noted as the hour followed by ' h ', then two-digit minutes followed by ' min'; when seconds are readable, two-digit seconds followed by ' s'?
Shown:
6 h 05 min
